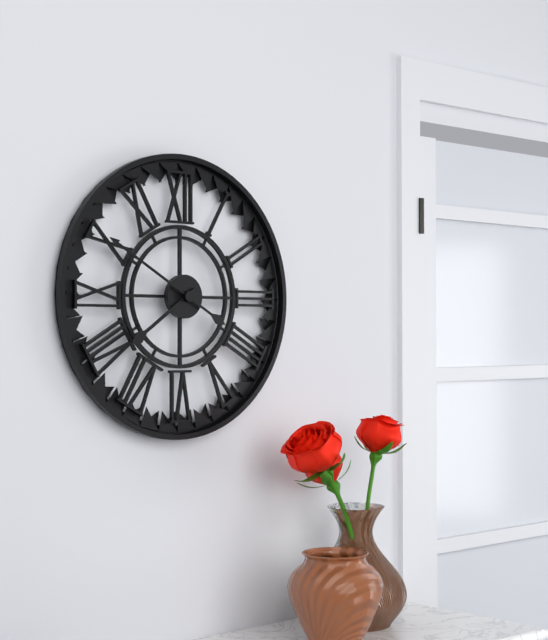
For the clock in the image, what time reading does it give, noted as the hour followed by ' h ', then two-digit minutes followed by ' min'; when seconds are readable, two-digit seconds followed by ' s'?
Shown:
7 h 50 min
